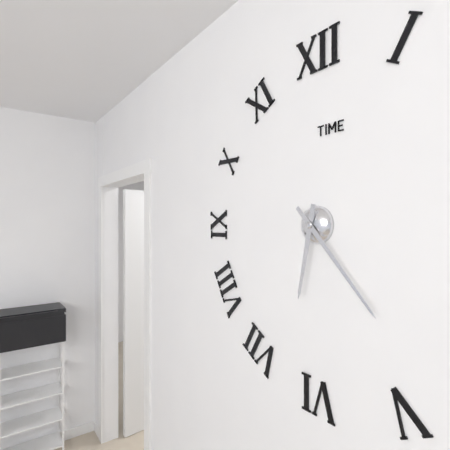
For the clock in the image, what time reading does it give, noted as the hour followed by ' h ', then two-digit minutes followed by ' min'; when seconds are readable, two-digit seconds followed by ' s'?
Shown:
6 h 23 min
